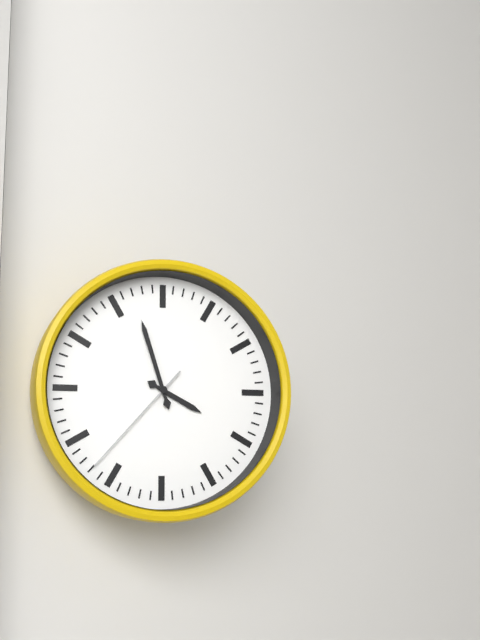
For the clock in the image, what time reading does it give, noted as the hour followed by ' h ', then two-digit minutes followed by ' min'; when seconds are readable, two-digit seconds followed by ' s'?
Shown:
3 h 57 min 37 s
